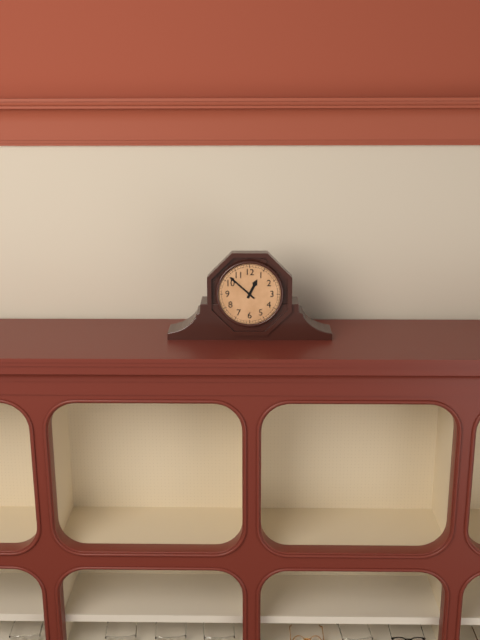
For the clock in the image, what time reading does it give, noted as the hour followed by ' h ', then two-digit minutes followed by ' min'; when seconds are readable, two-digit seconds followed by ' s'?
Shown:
12 h 52 min
